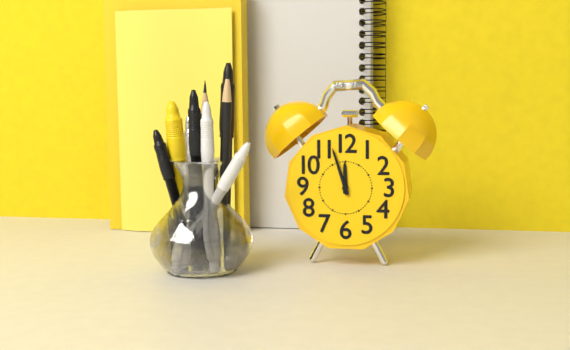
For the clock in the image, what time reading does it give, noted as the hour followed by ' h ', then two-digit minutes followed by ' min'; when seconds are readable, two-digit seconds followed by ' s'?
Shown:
11 h 57 min
